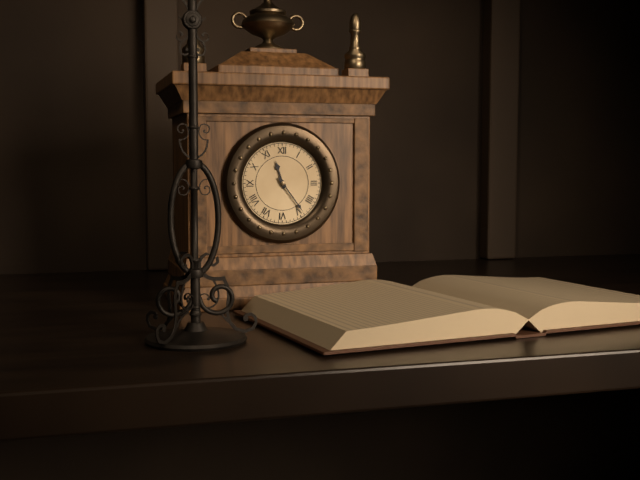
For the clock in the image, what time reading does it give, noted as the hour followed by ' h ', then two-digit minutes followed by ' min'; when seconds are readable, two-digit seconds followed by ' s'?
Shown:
11 h 24 min
